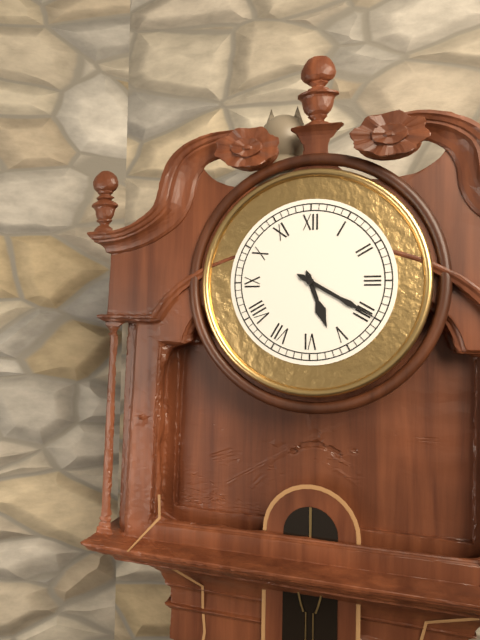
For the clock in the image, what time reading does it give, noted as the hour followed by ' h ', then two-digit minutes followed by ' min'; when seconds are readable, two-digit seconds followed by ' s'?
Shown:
5 h 20 min
